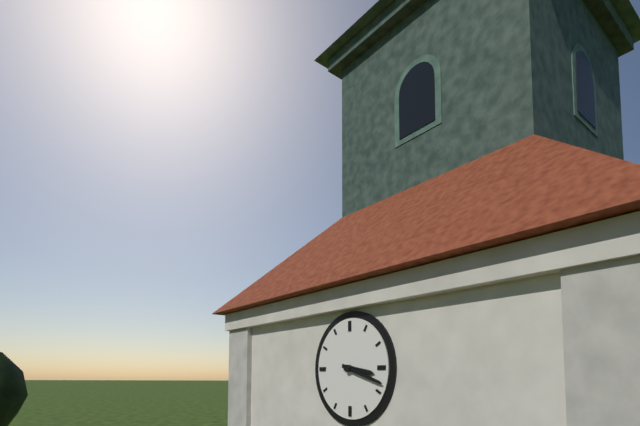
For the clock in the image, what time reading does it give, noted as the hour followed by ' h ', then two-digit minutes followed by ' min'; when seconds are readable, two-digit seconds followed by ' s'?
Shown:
3 h 18 min
